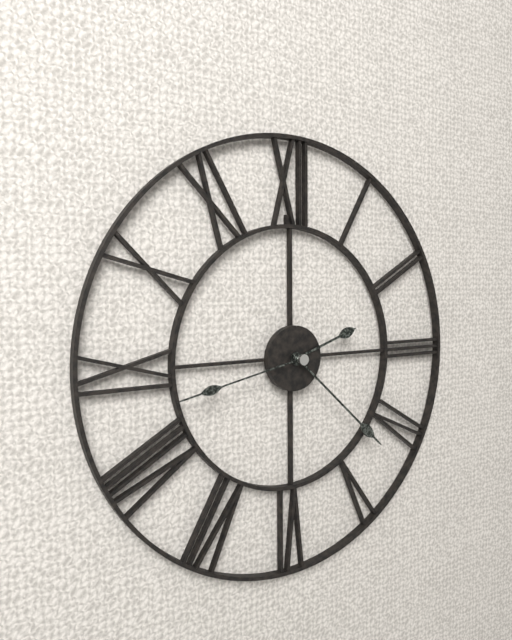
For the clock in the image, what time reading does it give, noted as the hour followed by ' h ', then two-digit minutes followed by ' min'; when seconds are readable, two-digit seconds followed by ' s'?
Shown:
2 h 22 min 43 s
